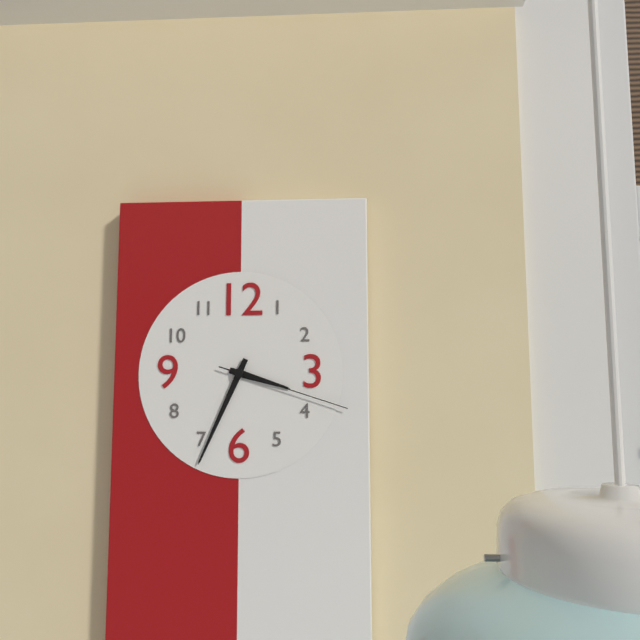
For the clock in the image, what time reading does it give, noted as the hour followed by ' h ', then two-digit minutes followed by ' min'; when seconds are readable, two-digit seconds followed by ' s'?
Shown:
3 h 34 min 18 s
